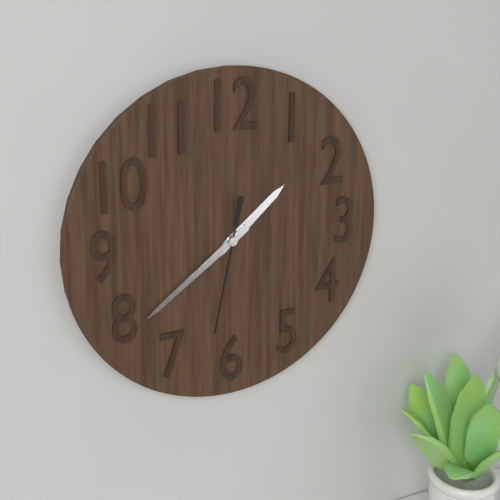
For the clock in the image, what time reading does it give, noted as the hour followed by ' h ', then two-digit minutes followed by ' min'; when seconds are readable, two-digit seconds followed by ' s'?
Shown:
1 h 39 min 32 s
